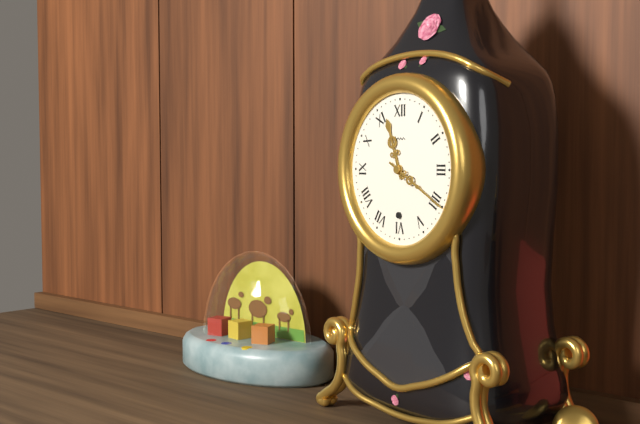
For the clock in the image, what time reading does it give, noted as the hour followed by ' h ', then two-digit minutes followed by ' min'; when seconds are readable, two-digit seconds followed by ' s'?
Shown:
11 h 20 min
